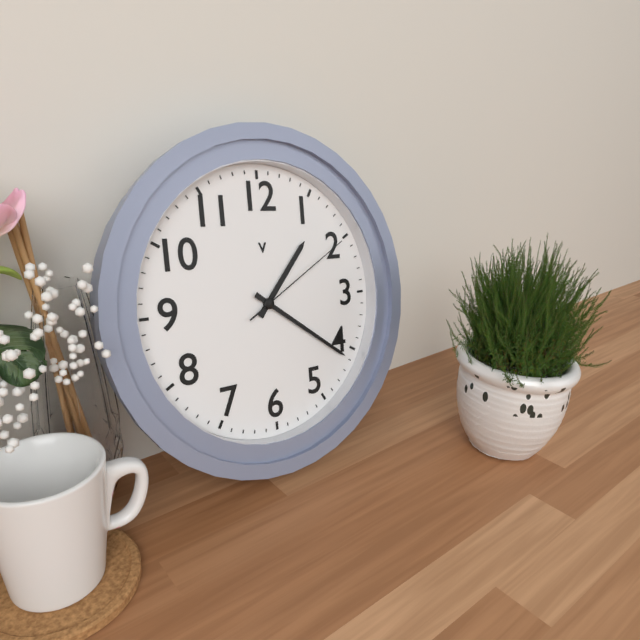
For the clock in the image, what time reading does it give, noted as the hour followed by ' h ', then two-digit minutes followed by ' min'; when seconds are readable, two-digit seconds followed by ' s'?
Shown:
1 h 21 min 10 s
